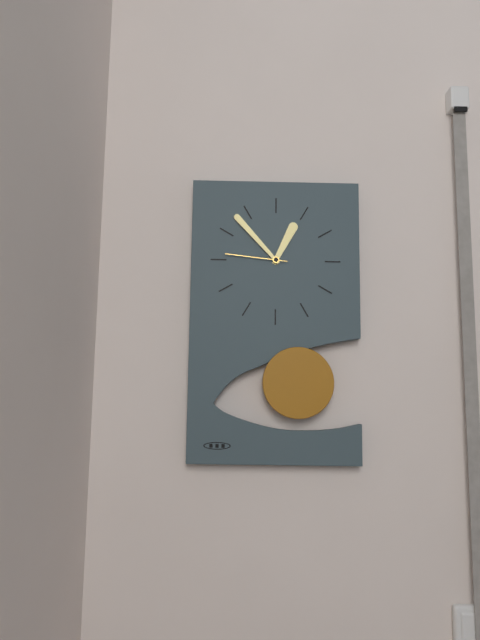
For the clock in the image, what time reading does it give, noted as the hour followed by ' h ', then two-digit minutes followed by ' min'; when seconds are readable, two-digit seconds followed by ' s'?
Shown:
12 h 53 min 46 s
